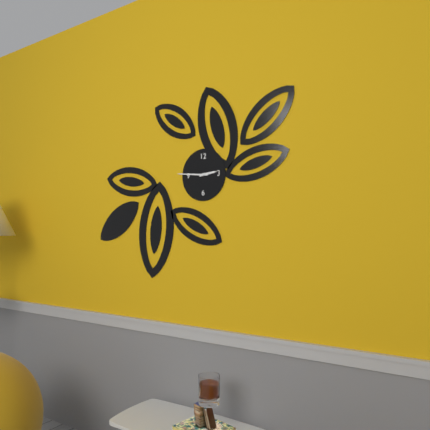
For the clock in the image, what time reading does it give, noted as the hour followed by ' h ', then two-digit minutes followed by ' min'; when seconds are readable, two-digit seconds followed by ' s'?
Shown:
2 h 46 min
